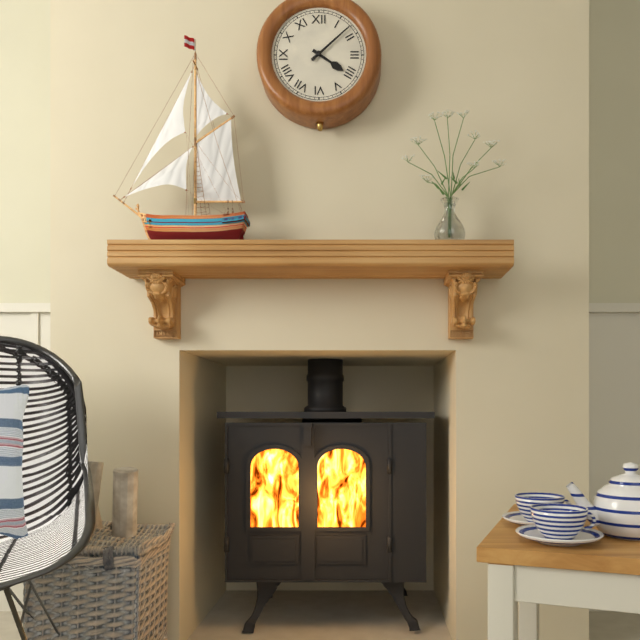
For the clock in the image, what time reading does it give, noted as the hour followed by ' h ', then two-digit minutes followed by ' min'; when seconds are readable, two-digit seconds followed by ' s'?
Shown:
4 h 08 min
